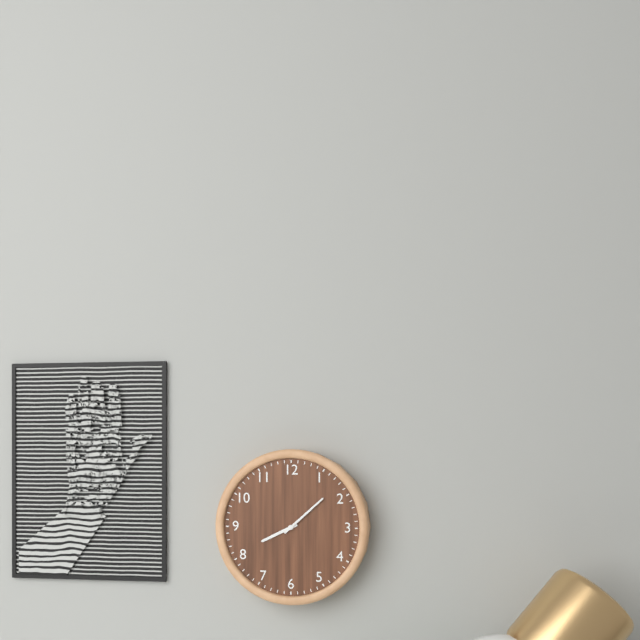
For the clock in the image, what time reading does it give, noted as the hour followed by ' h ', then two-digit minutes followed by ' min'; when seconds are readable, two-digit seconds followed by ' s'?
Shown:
8 h 08 min
